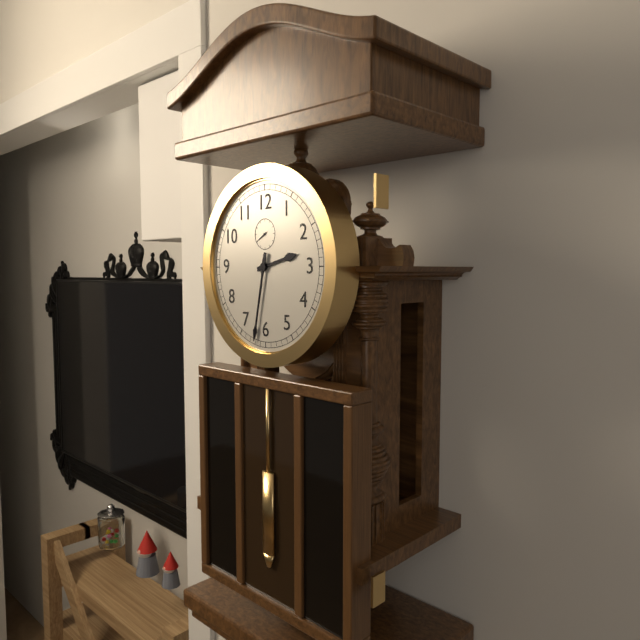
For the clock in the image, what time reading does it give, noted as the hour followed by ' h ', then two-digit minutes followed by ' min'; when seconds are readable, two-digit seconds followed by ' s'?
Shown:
2 h 32 min
